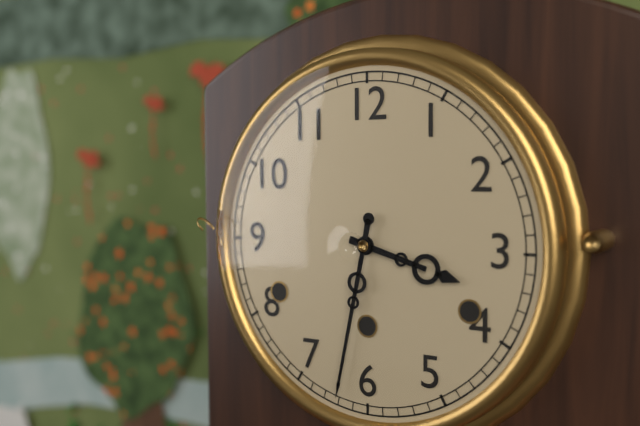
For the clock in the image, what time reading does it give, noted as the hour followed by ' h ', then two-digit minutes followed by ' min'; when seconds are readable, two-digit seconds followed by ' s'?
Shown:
3 h 32 min
